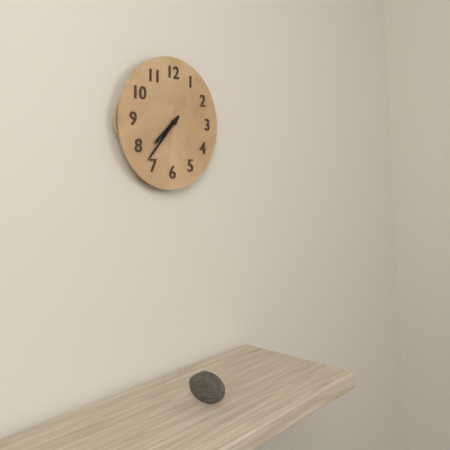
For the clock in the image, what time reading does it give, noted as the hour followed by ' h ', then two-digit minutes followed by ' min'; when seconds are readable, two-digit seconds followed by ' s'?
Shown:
7 h 37 min
